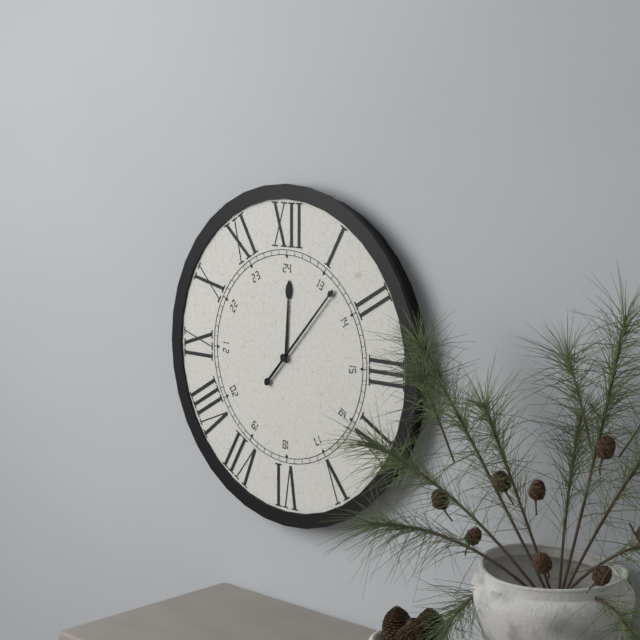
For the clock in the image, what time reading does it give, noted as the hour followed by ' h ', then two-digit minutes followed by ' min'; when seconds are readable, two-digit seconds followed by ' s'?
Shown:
12 h 07 min
